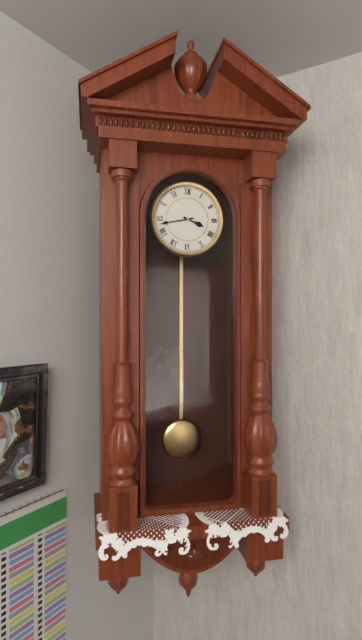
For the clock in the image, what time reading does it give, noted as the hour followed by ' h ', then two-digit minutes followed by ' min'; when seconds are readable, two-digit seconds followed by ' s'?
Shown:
3 h 43 min
